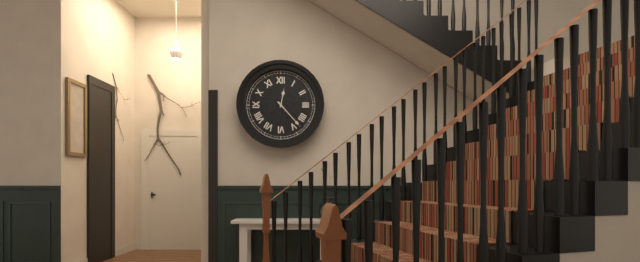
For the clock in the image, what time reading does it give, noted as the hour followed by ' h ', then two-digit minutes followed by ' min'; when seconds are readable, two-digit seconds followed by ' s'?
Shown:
12 h 23 min
